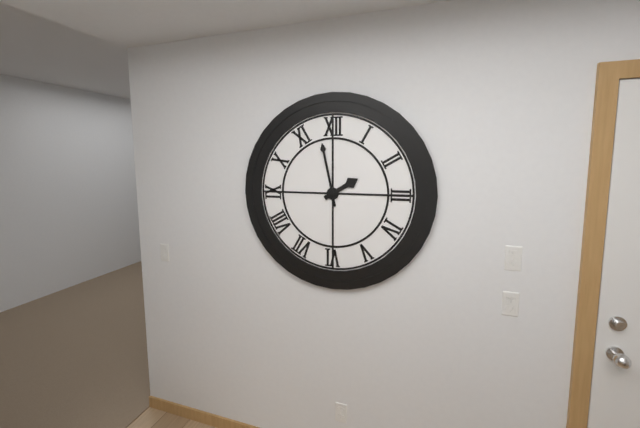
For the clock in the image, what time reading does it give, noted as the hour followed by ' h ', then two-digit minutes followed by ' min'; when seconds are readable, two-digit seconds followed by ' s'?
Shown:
1 h 58 min
